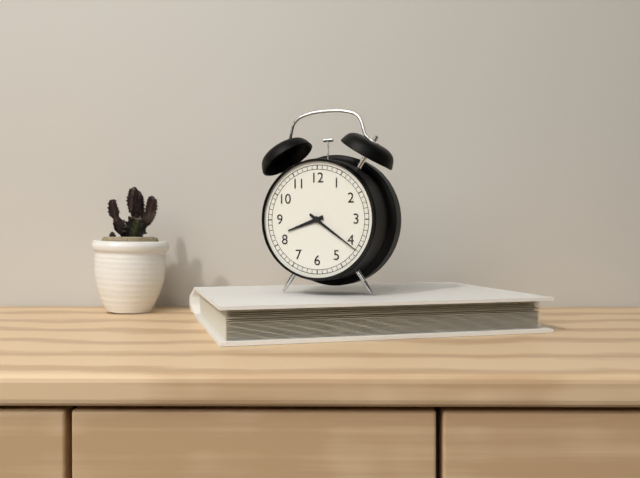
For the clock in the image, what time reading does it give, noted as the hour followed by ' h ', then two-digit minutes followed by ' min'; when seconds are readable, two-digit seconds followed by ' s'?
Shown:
8 h 21 min
